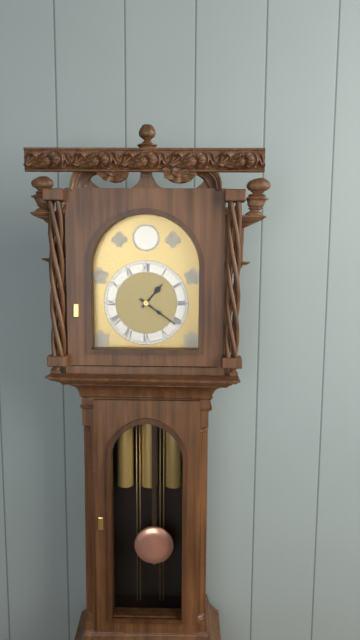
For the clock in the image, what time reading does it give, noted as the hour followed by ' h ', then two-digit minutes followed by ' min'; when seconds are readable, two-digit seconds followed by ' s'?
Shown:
1 h 21 min
